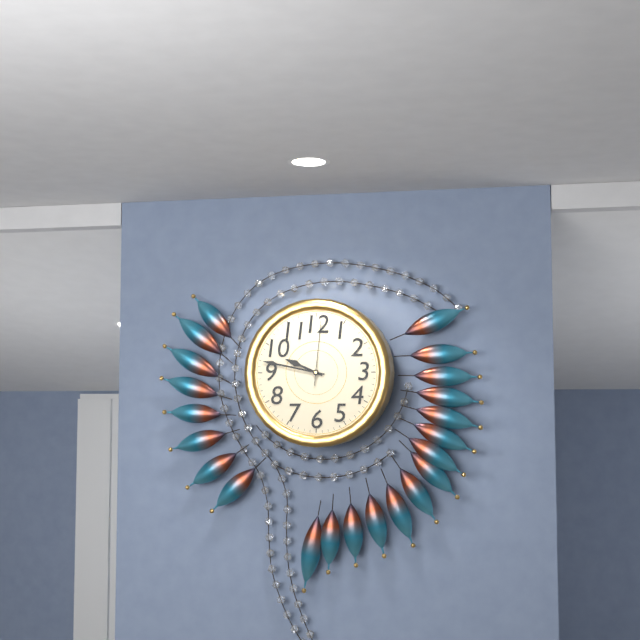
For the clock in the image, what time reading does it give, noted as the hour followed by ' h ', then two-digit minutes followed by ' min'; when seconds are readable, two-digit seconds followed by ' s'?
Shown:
9 h 47 min 01 s
